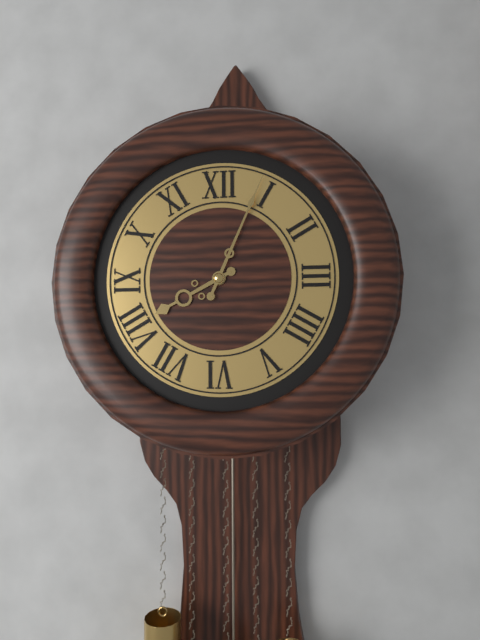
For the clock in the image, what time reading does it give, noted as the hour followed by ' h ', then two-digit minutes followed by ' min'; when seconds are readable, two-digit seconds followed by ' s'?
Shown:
8 h 04 min
